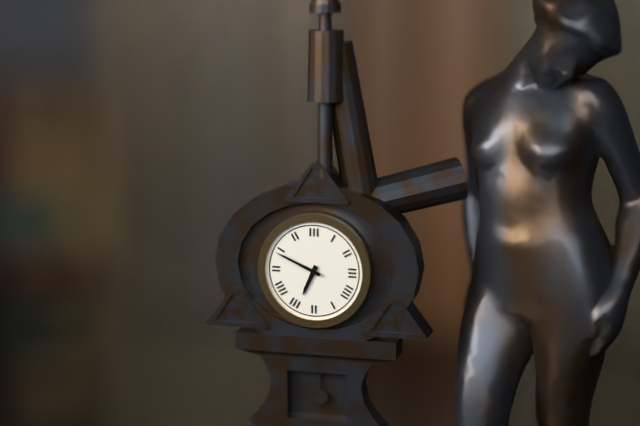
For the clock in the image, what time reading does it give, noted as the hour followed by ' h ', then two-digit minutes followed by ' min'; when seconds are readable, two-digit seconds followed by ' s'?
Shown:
6 h 49 min
